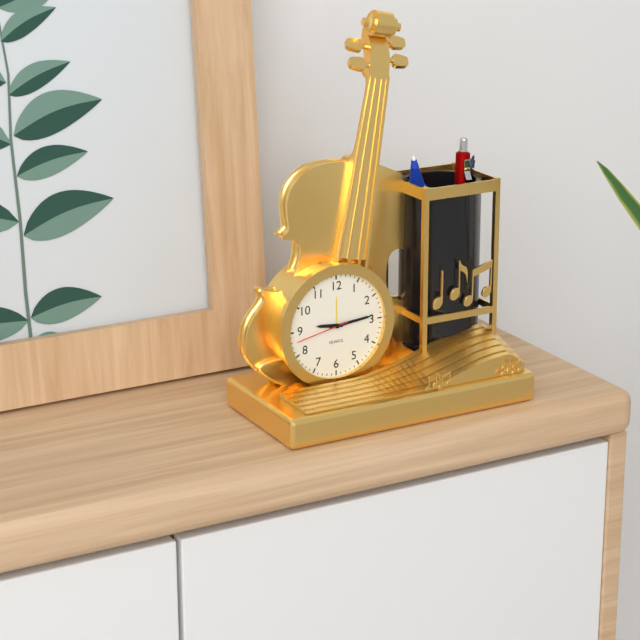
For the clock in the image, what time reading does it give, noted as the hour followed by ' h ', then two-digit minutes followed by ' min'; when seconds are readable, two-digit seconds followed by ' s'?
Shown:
9 h 14 min 43 s
